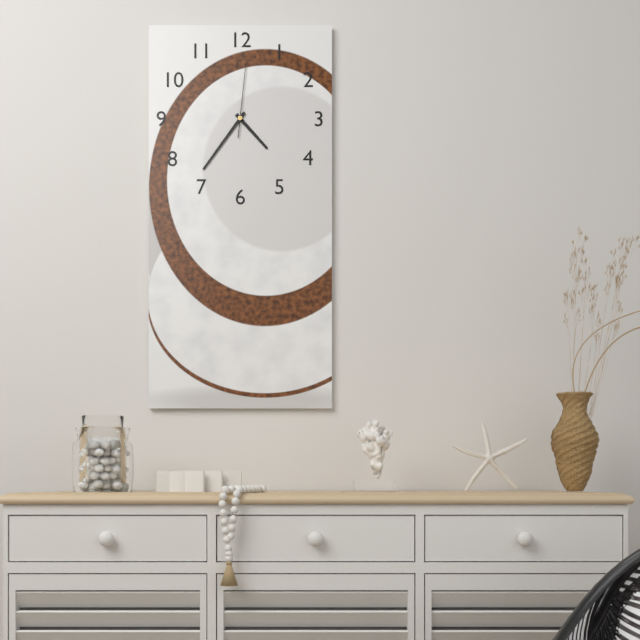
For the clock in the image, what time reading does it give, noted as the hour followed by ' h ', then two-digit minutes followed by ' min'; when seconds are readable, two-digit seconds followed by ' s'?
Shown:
4 h 36 min 01 s
